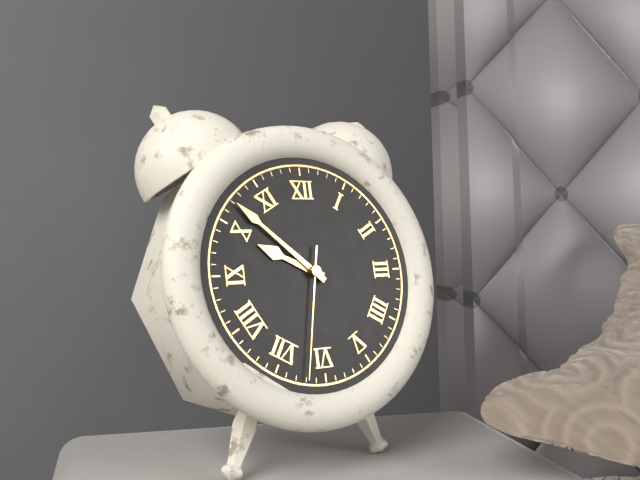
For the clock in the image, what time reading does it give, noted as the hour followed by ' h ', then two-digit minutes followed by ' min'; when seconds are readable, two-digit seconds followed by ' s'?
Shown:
9 h 52 min 32 s
